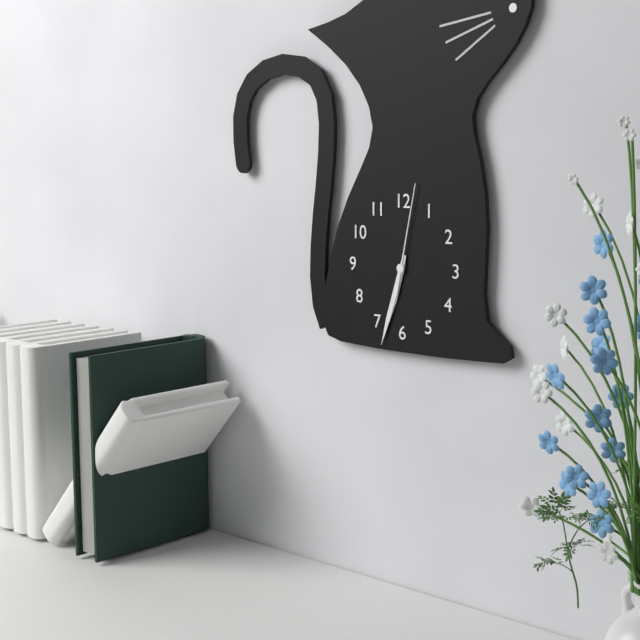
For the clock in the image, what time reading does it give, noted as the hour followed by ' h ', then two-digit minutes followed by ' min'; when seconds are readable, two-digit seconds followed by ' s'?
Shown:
6 h 33 min 02 s
